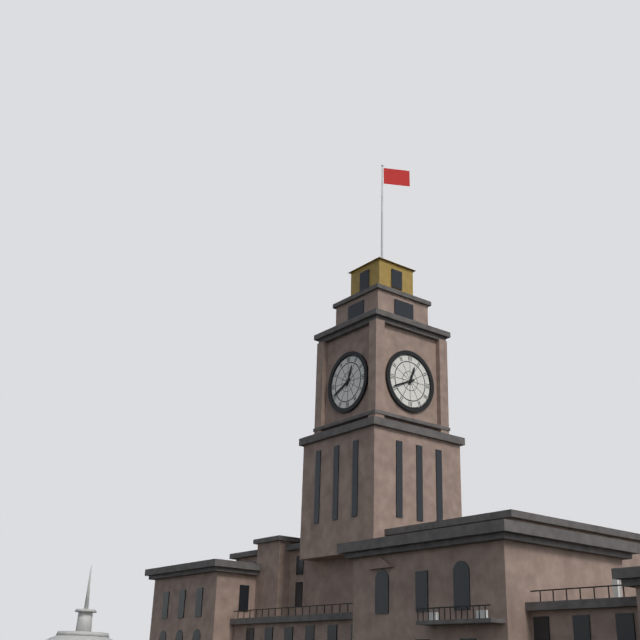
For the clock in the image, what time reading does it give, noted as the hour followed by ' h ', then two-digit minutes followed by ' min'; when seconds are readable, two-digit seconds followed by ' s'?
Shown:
12 h 41 min
